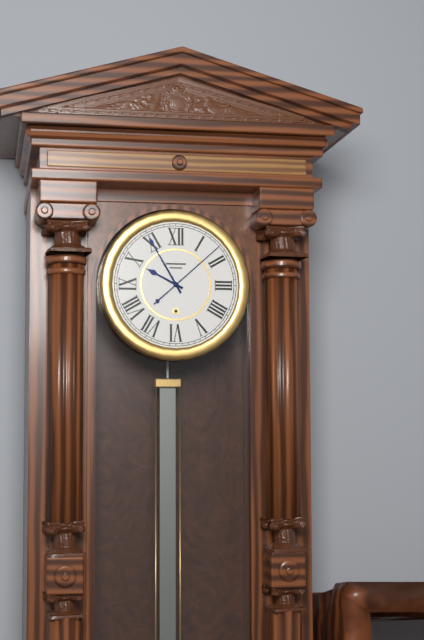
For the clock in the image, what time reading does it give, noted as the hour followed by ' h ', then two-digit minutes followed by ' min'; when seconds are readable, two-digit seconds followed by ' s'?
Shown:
9 h 55 min 08 s
